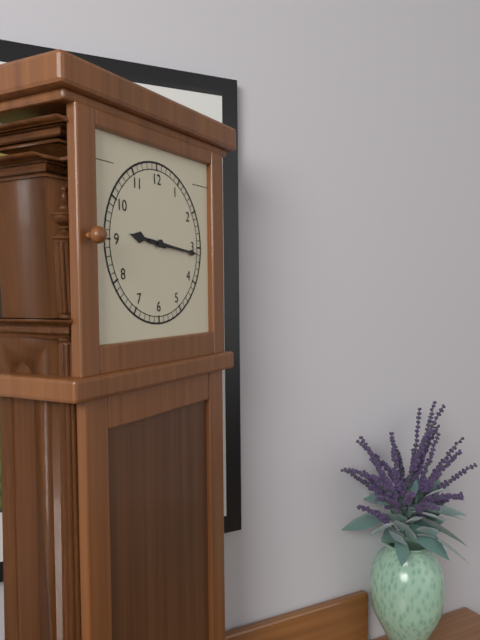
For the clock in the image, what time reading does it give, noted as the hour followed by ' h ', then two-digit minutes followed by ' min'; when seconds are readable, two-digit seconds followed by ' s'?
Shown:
9 h 16 min
